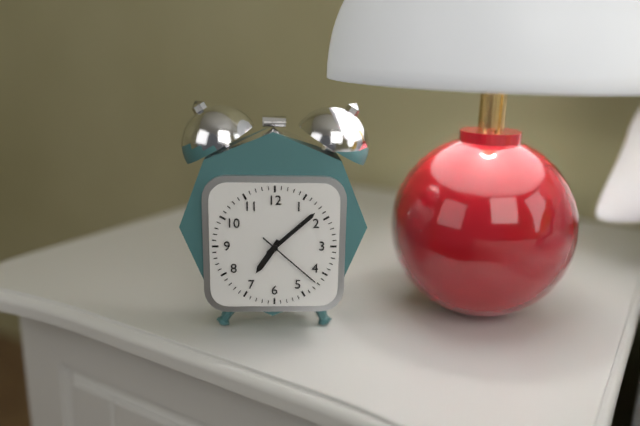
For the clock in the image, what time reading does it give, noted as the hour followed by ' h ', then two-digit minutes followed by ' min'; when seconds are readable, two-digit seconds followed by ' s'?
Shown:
7 h 08 min 22 s
